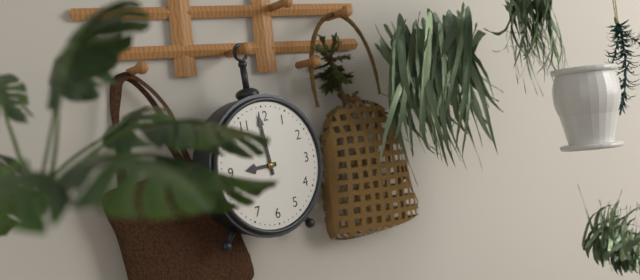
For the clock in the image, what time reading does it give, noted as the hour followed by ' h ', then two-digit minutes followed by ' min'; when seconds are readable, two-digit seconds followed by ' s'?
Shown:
8 h 59 min
